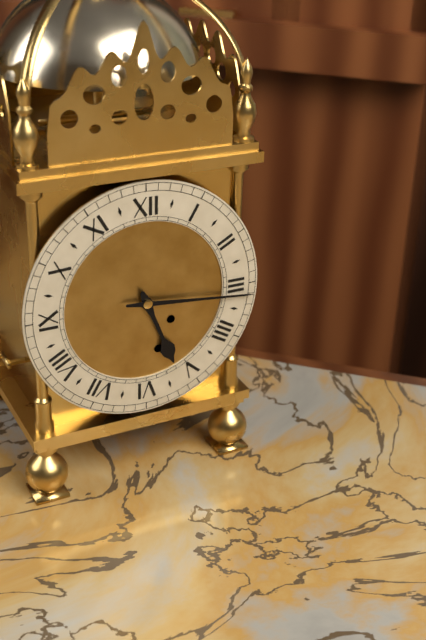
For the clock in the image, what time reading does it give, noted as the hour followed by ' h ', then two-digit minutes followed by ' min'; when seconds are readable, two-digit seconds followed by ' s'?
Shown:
5 h 16 min
